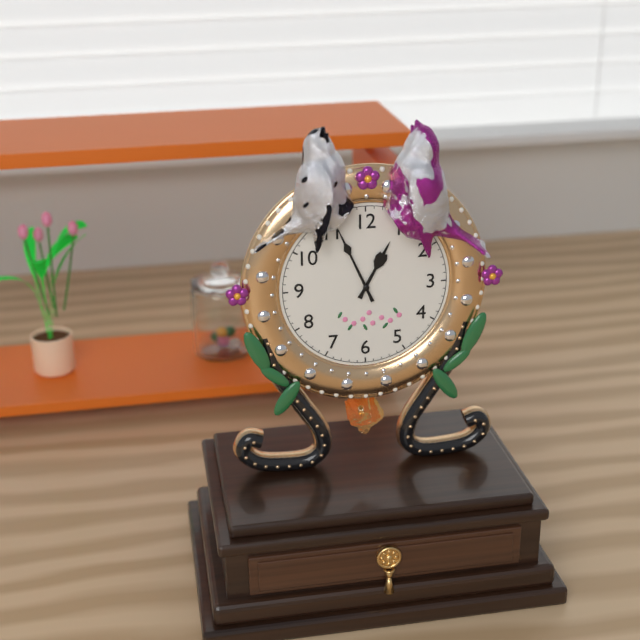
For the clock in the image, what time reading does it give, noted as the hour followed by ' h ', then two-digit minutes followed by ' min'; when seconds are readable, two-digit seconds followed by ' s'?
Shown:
12 h 56 min
